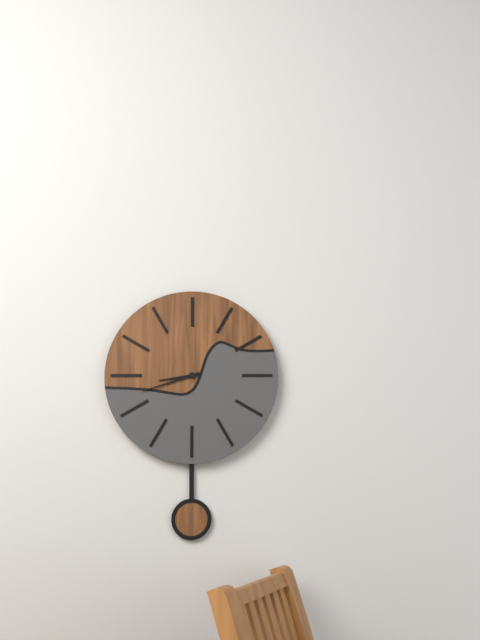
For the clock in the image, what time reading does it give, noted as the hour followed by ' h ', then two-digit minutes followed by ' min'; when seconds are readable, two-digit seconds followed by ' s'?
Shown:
8 h 42 min
